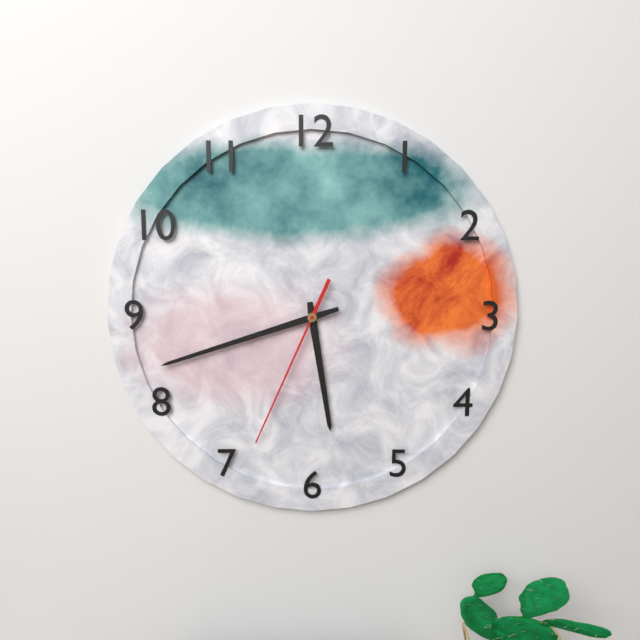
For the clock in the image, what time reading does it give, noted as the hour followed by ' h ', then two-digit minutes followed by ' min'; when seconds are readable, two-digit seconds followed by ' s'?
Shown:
5 h 42 min 34 s
